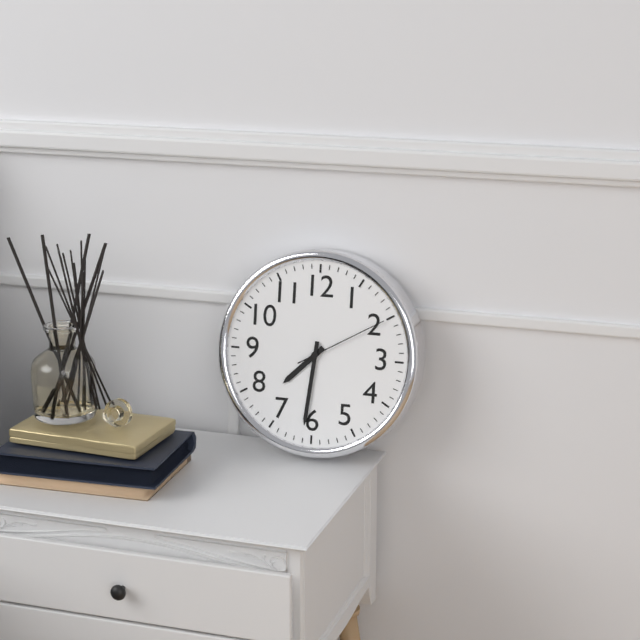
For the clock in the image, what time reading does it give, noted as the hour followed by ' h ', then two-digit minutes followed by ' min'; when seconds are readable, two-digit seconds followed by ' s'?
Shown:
7 h 31 min 10 s
